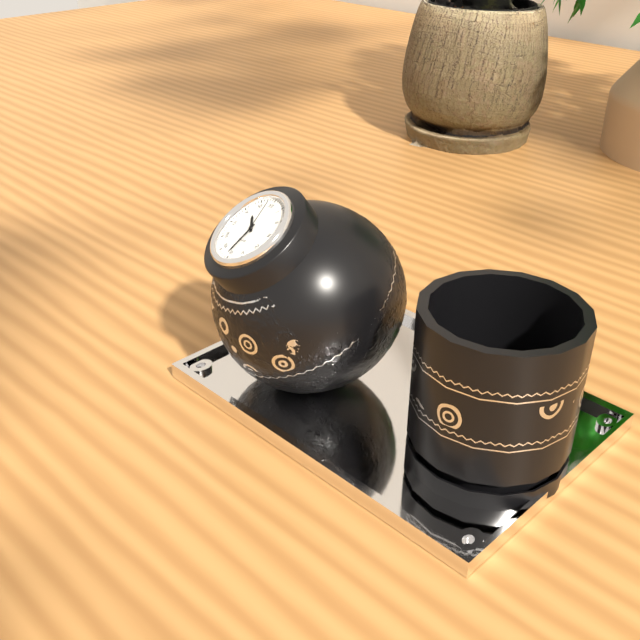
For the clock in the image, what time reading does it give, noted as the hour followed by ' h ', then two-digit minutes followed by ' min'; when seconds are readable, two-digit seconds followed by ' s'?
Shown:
10 h 31 min 58 s
